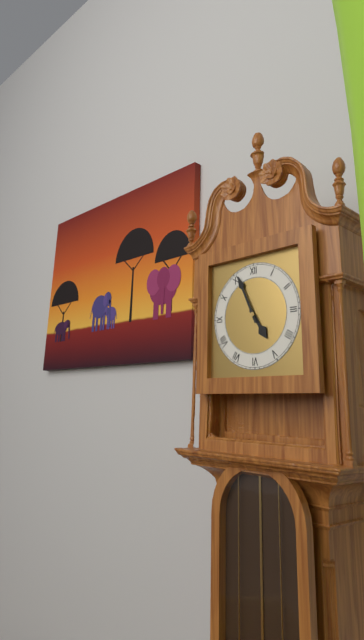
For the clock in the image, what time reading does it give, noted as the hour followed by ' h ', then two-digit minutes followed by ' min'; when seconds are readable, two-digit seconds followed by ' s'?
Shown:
4 h 56 min
